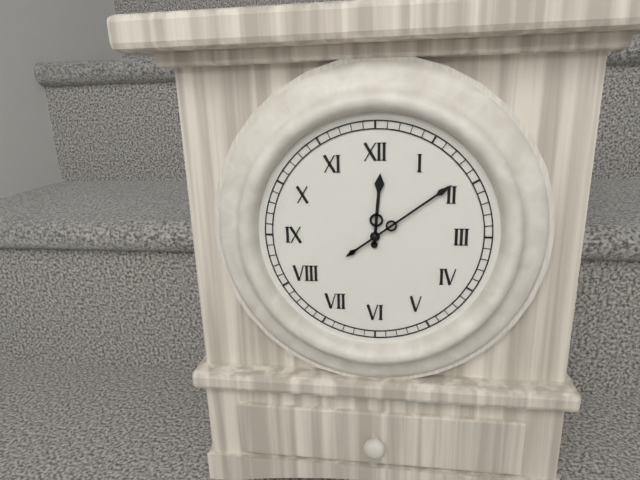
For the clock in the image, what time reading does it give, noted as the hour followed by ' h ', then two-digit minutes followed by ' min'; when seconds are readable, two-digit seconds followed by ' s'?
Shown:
12 h 09 min
